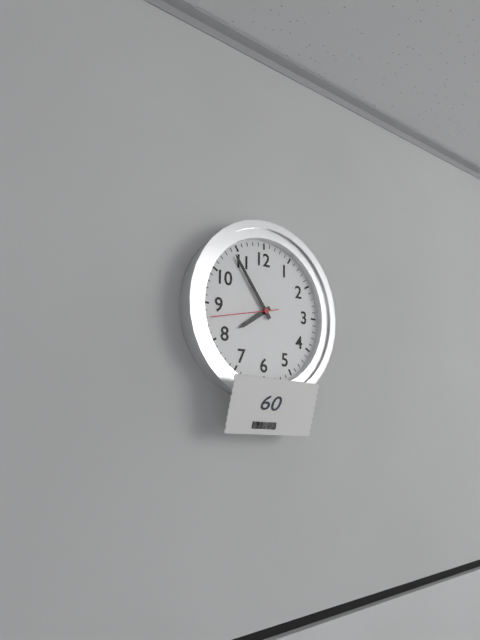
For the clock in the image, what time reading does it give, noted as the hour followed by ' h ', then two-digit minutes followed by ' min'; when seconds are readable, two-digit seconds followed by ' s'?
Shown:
7 h 54 min 43 s
